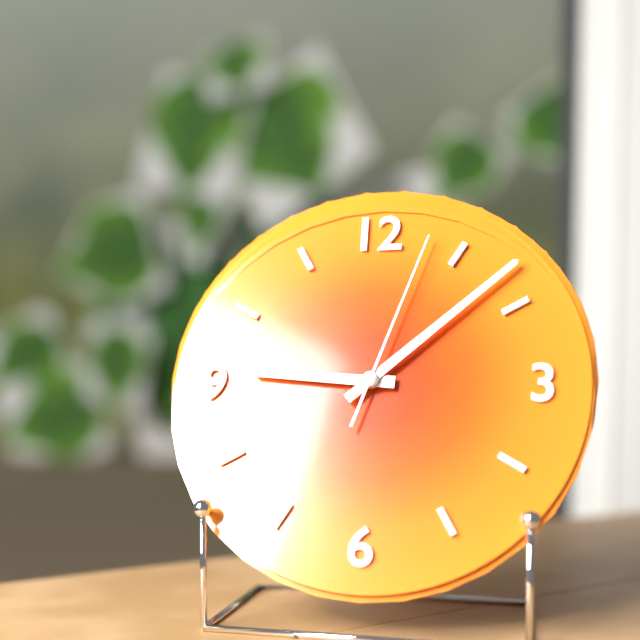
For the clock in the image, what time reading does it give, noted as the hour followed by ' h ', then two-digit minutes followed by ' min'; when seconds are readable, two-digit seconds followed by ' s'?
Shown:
9 h 08 min 03 s
